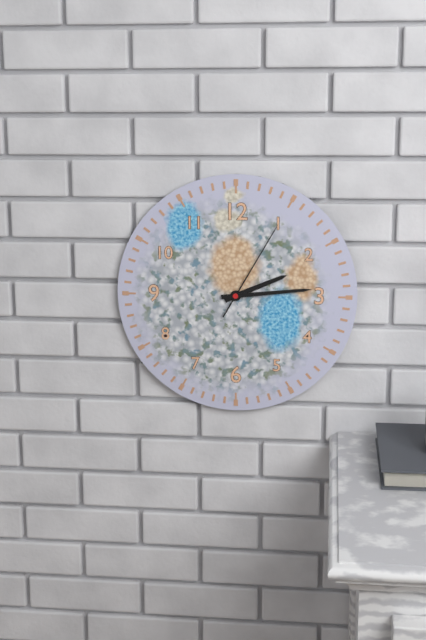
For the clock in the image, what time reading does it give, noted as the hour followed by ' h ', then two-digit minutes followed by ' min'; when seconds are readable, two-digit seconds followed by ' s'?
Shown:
2 h 14 min 05 s
